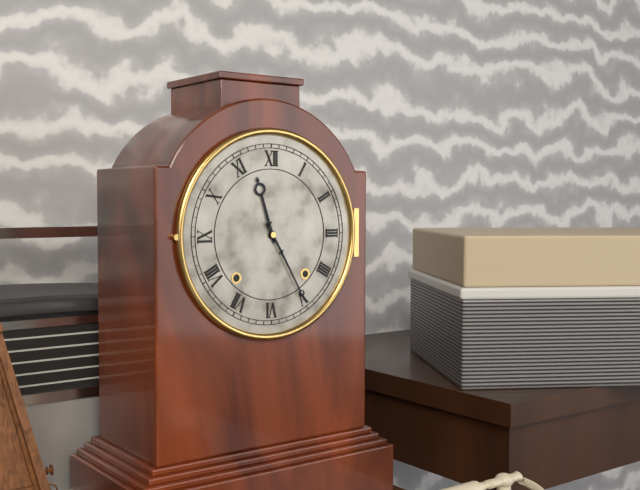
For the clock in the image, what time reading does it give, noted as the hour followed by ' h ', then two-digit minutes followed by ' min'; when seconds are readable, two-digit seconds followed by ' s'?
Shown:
11 h 25 min
